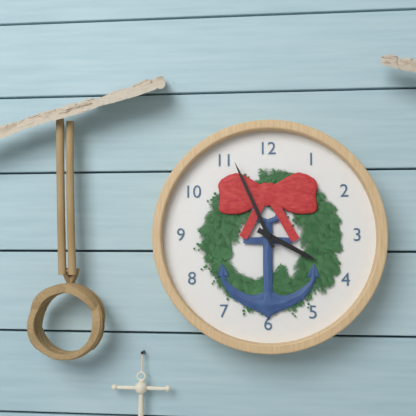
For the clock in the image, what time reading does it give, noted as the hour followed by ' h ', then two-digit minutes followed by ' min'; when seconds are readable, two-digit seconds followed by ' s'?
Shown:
3 h 56 min
